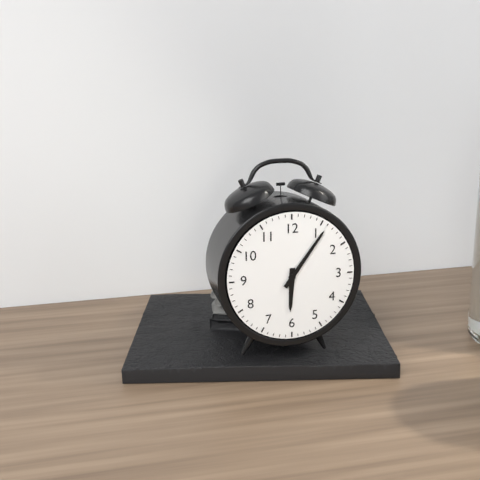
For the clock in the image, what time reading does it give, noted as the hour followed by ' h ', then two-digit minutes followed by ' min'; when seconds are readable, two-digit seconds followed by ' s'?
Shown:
6 h 06 min
